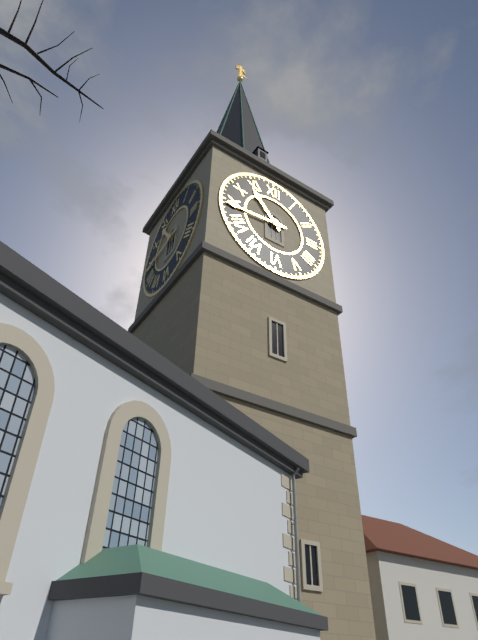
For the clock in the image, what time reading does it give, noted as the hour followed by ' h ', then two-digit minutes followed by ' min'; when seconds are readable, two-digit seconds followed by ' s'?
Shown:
10 h 44 min
